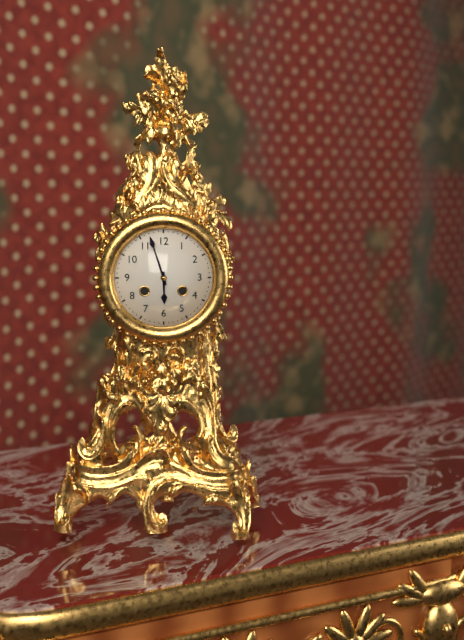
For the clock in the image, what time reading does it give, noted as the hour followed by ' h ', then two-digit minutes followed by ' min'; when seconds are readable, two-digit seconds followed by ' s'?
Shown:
5 h 57 min
